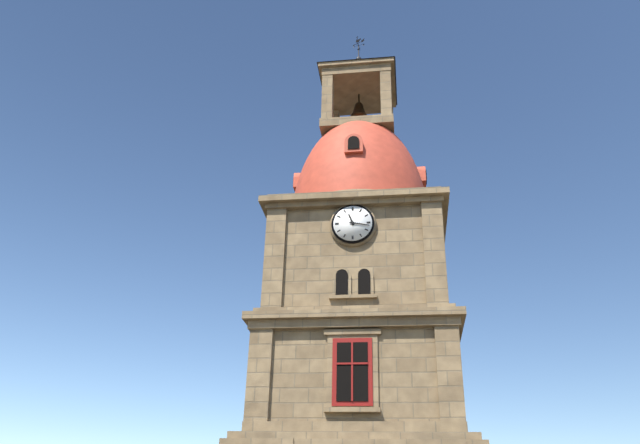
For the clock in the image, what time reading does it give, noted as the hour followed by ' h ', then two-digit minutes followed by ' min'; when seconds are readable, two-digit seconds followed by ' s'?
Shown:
11 h 17 min
